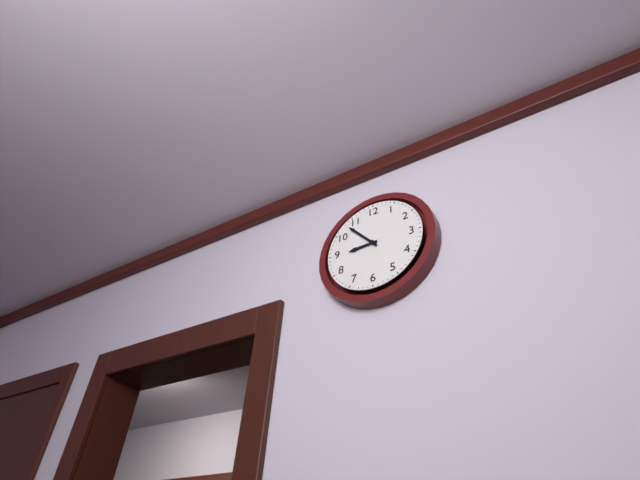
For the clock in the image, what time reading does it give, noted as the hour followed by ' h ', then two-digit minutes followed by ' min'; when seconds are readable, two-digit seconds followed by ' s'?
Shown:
8 h 53 min
